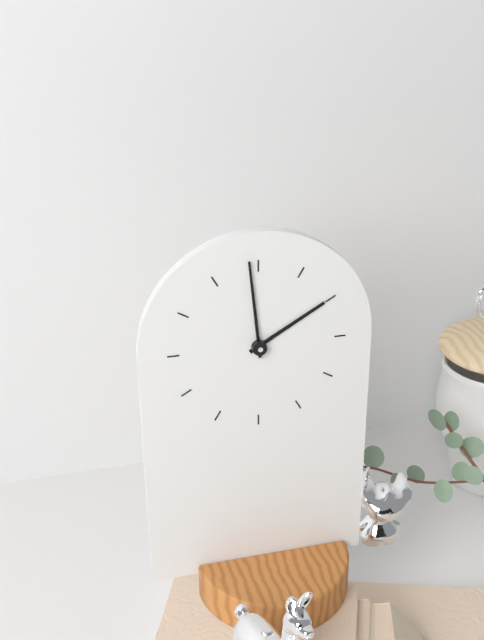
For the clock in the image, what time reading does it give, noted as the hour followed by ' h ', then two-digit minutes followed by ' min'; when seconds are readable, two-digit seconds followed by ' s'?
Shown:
1 h 59 min
